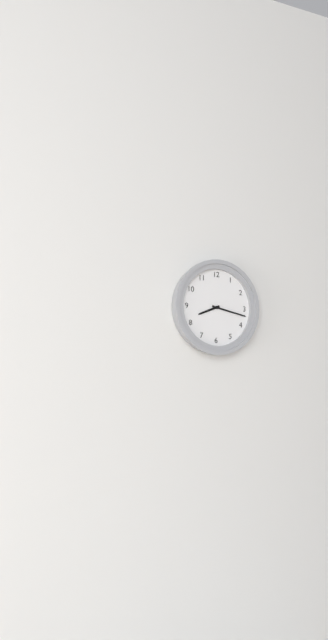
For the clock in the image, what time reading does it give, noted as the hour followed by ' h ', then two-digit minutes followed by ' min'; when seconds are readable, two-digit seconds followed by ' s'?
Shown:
8 h 17 min
